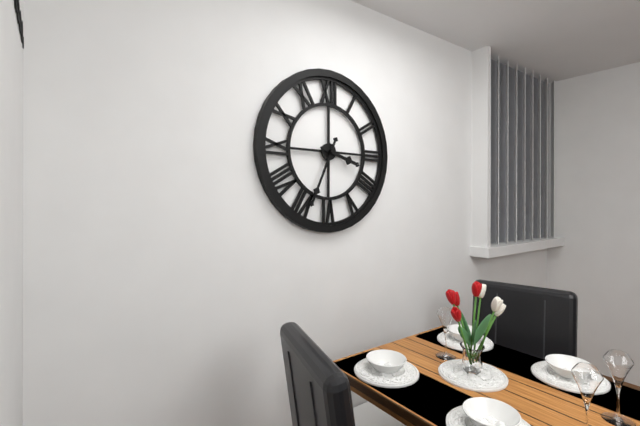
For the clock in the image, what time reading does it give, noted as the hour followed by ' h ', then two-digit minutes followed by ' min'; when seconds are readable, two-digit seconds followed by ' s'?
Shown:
3 h 34 min
